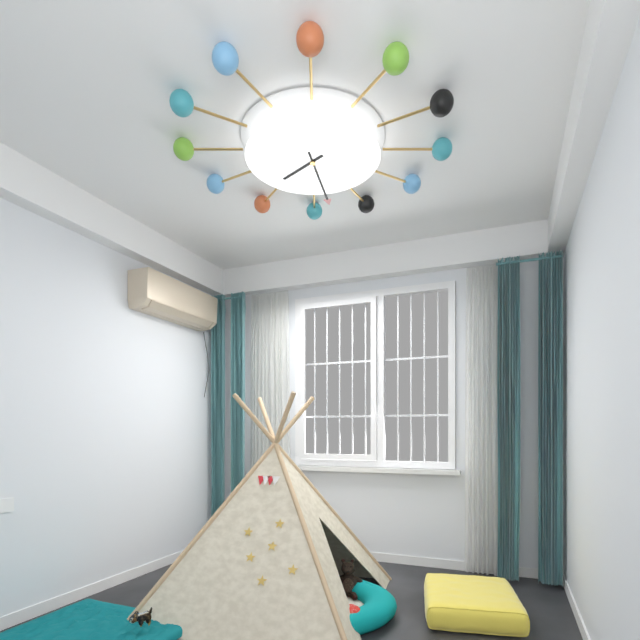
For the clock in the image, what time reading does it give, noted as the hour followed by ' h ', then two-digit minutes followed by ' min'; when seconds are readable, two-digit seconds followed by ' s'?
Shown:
7 h 28 min
